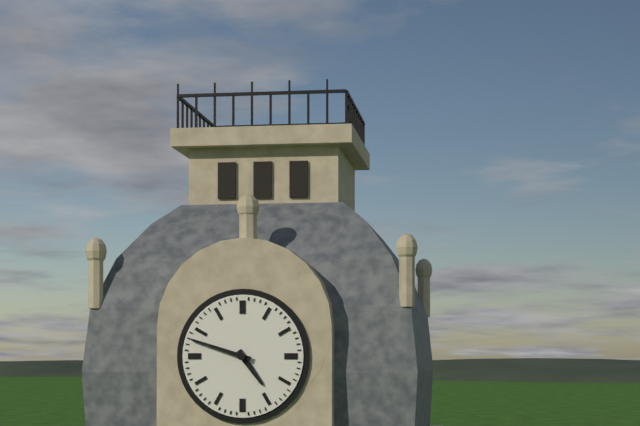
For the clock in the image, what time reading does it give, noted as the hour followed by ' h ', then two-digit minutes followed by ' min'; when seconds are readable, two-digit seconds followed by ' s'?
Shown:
4 h 48 min
